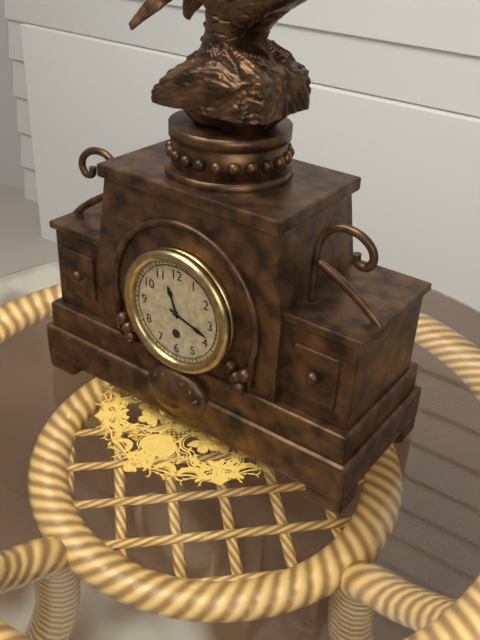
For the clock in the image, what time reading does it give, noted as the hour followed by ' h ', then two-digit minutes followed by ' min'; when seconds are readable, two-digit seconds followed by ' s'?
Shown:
11 h 18 min
